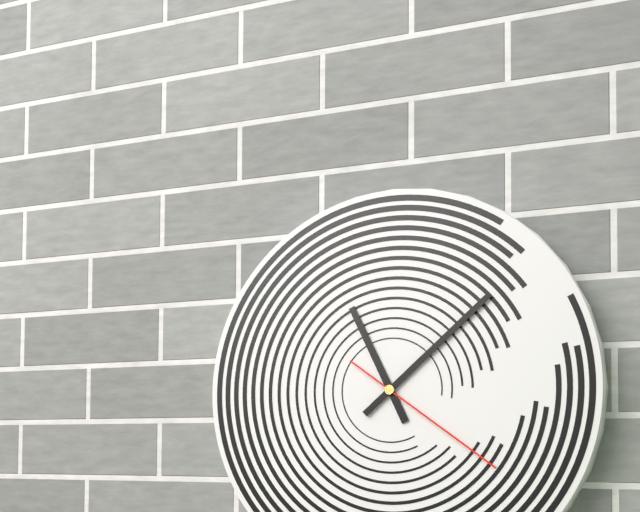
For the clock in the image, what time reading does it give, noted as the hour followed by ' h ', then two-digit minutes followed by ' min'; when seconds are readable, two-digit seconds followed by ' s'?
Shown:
11 h 08 min 21 s
